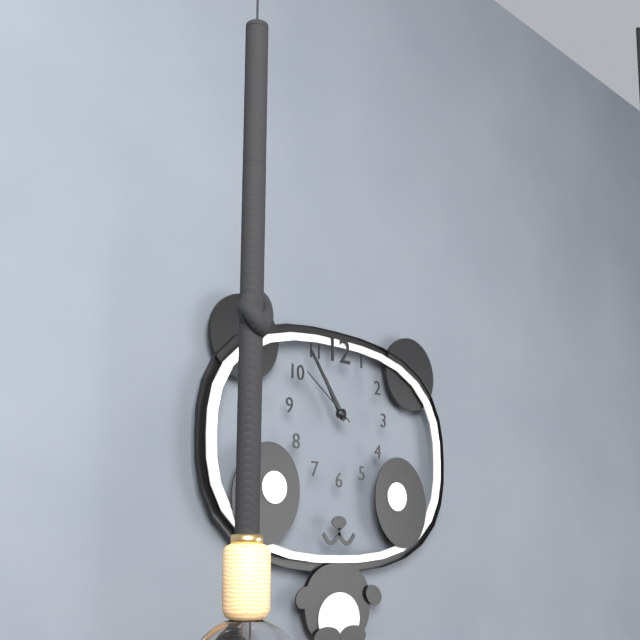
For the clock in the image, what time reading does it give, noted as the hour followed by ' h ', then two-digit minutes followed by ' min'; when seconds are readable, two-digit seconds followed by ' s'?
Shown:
10 h 54 min 51 s
